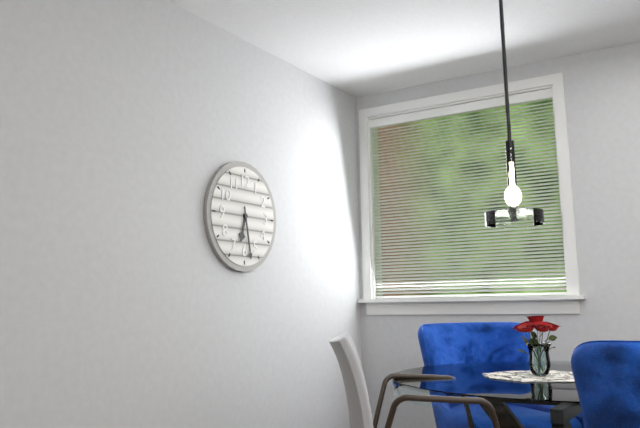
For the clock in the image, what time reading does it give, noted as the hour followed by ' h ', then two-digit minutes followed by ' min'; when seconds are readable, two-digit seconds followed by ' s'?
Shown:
6 h 28 min
